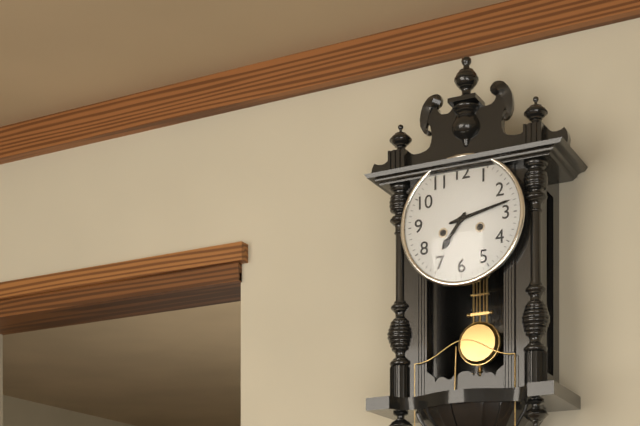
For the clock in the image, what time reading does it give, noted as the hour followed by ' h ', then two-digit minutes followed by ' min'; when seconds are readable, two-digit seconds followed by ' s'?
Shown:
7 h 13 min
